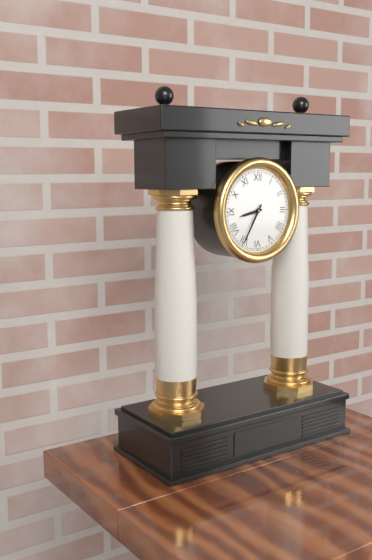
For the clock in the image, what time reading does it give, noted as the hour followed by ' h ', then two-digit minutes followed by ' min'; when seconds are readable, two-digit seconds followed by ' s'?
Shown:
8 h 35 min
